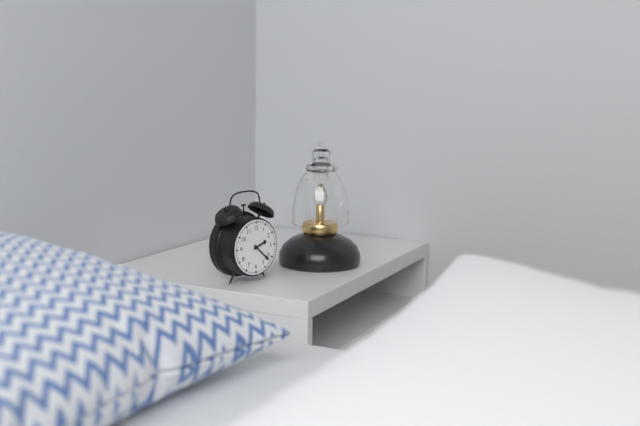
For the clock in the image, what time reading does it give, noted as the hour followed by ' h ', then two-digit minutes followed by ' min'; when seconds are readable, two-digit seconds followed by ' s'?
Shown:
2 h 22 min
